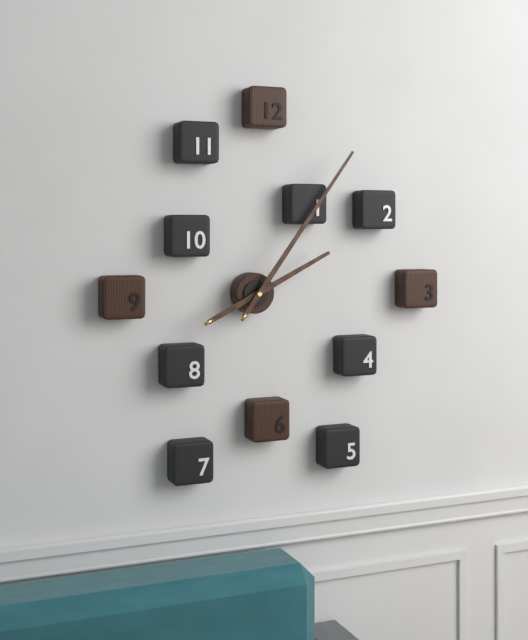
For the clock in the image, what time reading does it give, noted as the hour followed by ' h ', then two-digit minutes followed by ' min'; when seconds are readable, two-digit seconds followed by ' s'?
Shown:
2 h 06 min
